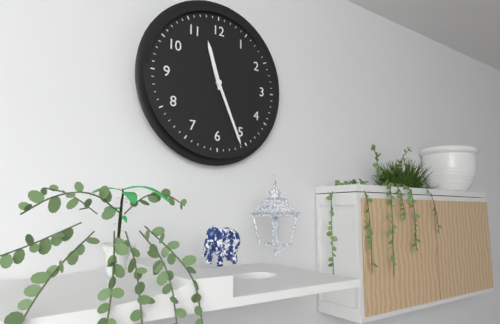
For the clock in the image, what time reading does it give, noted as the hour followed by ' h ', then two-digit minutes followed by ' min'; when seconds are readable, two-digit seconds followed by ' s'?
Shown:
11 h 26 min
